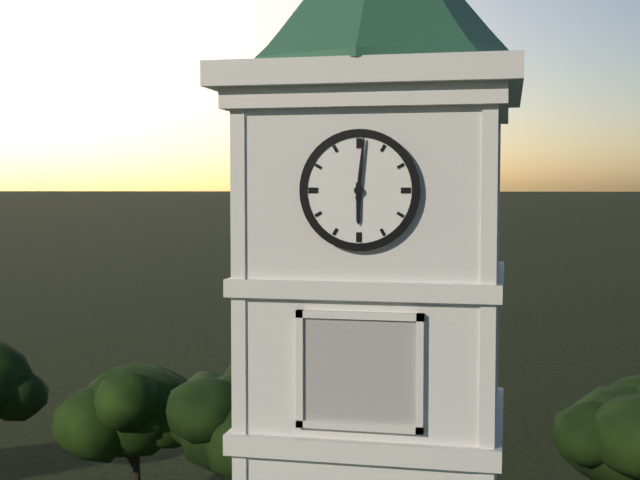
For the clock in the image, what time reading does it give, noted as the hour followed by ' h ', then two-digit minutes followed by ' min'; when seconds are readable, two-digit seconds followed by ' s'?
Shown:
6 h 01 min
